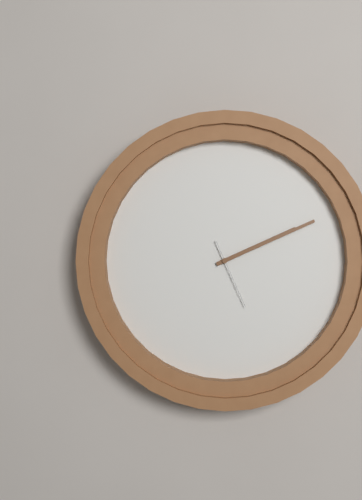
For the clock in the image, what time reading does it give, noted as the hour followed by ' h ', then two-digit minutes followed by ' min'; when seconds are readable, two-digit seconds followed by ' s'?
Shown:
2 h 11 min 26 s
